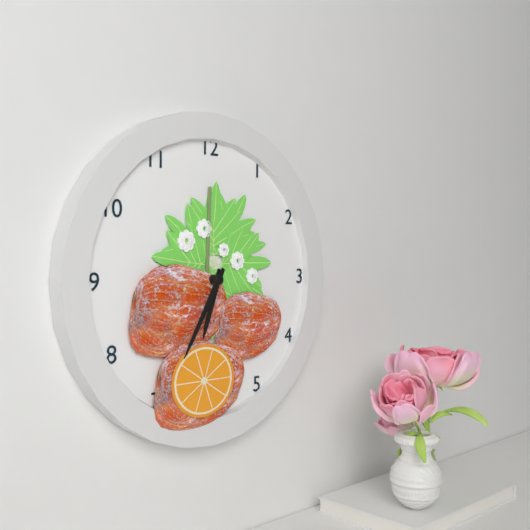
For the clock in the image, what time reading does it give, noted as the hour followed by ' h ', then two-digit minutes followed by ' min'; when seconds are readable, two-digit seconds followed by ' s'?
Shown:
6 h 35 min
